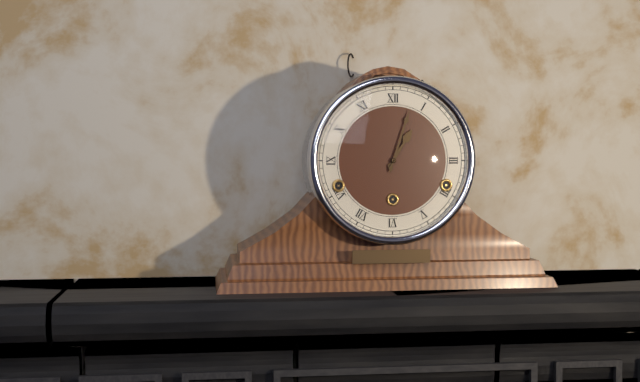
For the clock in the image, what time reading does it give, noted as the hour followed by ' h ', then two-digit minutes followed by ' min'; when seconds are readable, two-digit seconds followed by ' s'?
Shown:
1 h 03 min
